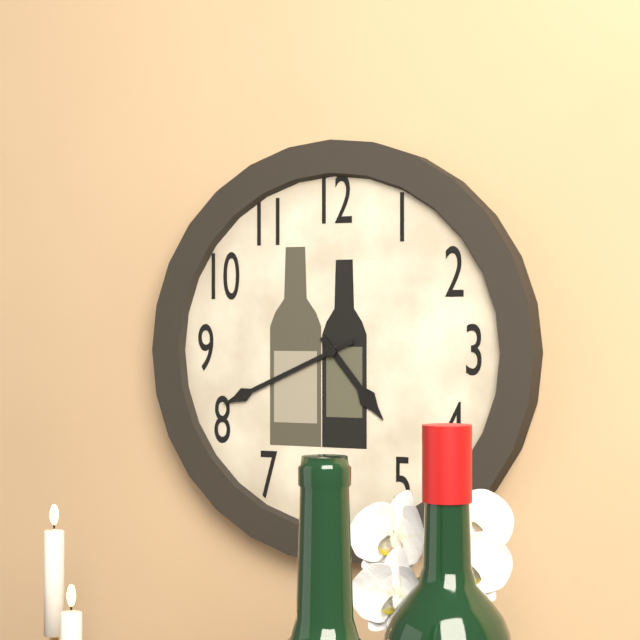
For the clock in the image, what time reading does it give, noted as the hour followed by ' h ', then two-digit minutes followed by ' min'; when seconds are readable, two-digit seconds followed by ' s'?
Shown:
4 h 41 min
